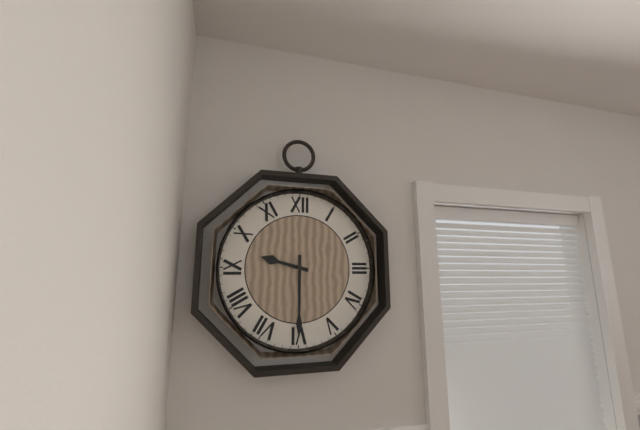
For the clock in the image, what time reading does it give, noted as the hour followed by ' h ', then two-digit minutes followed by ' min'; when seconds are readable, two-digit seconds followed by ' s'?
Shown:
9 h 30 min
